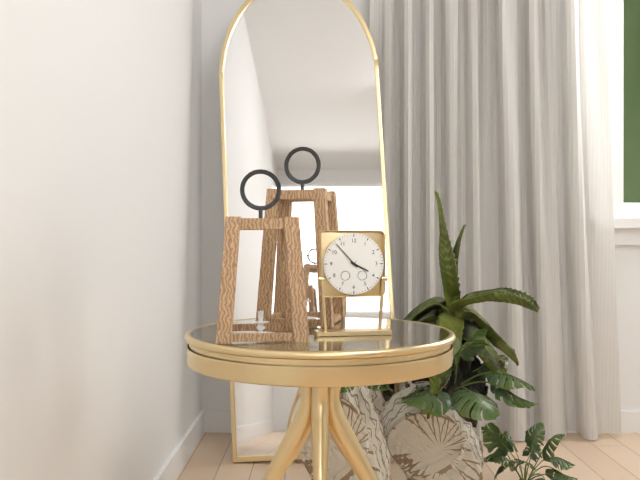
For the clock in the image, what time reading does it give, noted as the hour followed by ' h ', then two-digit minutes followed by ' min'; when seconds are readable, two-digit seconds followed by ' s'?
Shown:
3 h 53 min
